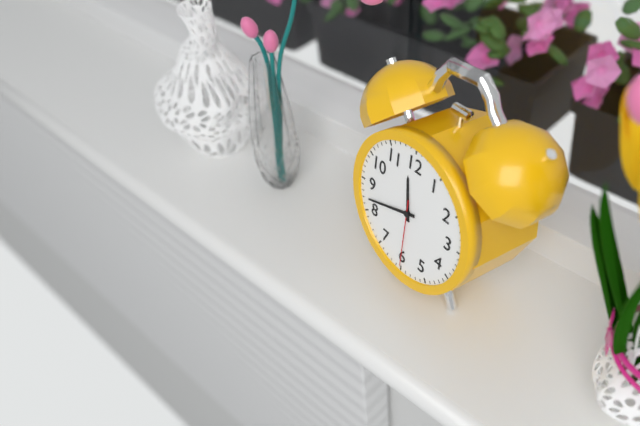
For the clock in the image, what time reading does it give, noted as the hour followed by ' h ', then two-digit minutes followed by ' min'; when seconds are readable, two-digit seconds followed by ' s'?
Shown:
11 h 42 min 30 s
